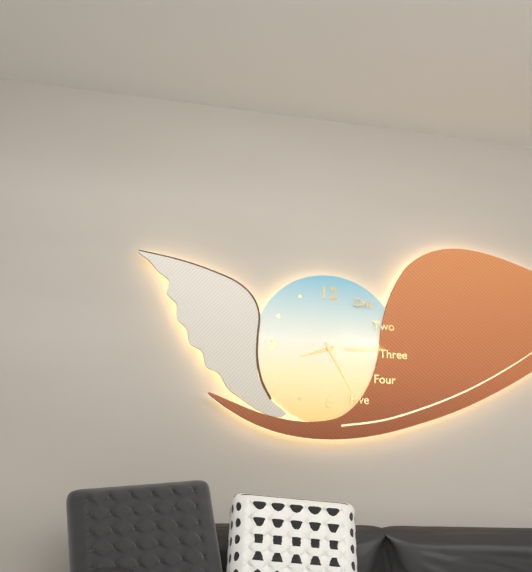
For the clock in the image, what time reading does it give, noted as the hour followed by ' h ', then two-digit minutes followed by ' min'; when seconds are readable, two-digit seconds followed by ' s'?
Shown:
8 h 25 min
